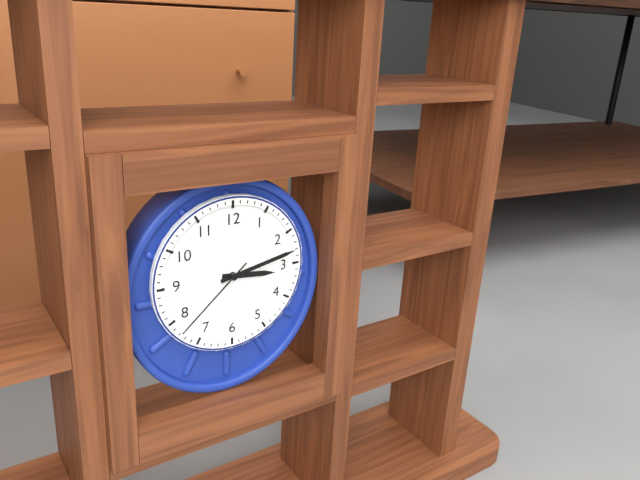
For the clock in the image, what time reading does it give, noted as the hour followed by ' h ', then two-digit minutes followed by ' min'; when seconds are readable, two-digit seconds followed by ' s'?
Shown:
3 h 13 min 38 s
